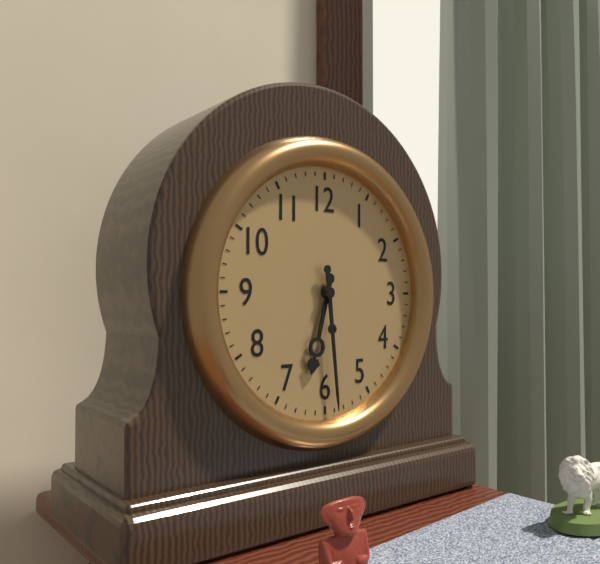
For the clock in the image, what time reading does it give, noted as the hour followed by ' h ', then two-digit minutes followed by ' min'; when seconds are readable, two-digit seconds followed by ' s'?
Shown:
6 h 29 min
